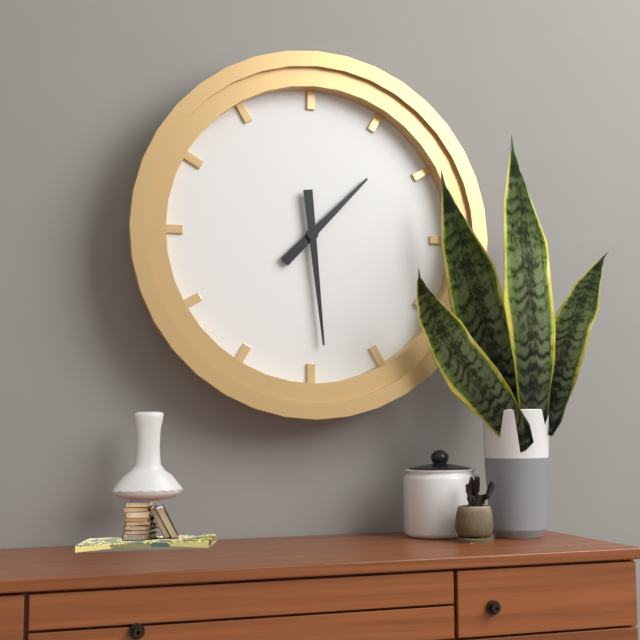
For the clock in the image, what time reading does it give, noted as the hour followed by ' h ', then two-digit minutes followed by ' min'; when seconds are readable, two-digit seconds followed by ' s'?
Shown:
1 h 29 min
